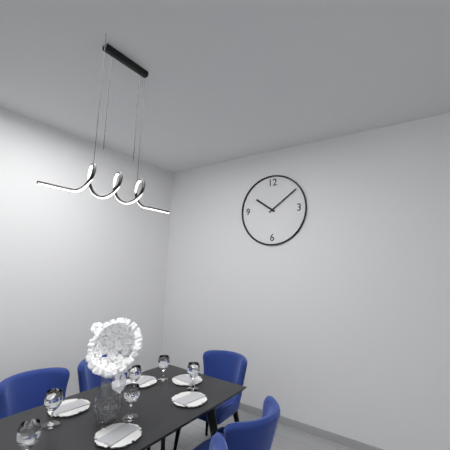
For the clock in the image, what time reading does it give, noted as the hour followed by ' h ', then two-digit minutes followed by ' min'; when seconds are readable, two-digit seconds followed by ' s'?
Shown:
10 h 09 min
